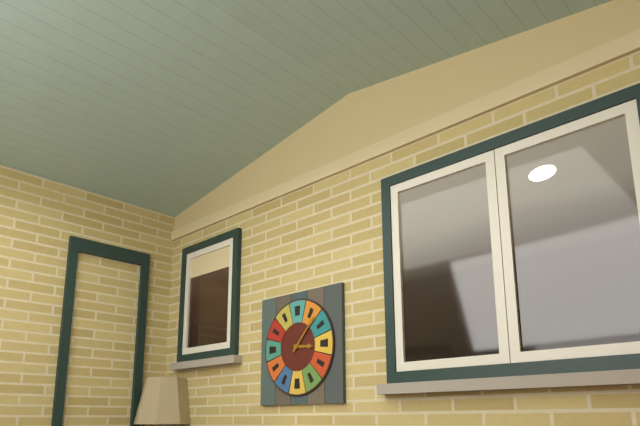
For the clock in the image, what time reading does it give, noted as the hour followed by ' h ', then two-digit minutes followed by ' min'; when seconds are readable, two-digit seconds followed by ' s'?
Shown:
3 h 07 min
